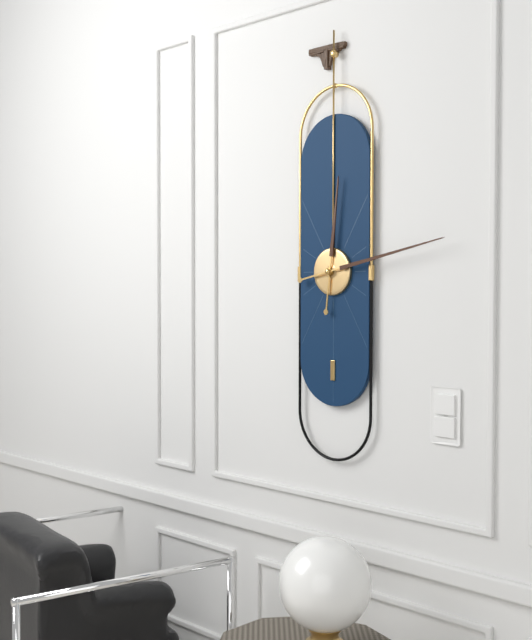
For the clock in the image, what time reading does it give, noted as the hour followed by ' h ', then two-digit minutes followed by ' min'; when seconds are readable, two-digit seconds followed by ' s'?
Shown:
12 h 13 min
